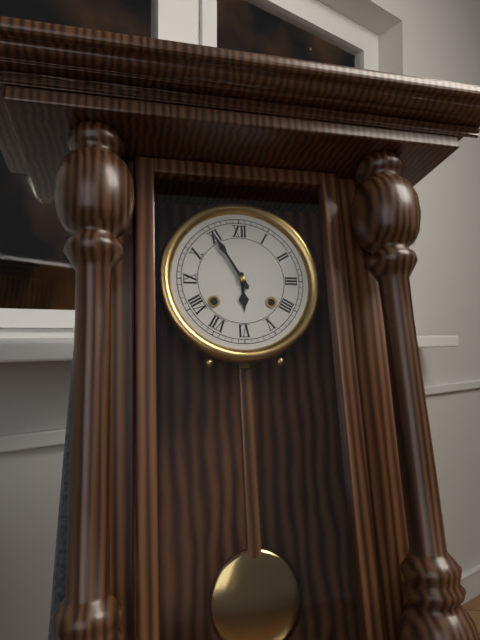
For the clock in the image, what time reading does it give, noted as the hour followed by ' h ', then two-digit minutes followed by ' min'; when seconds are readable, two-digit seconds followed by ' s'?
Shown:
5 h 55 min
